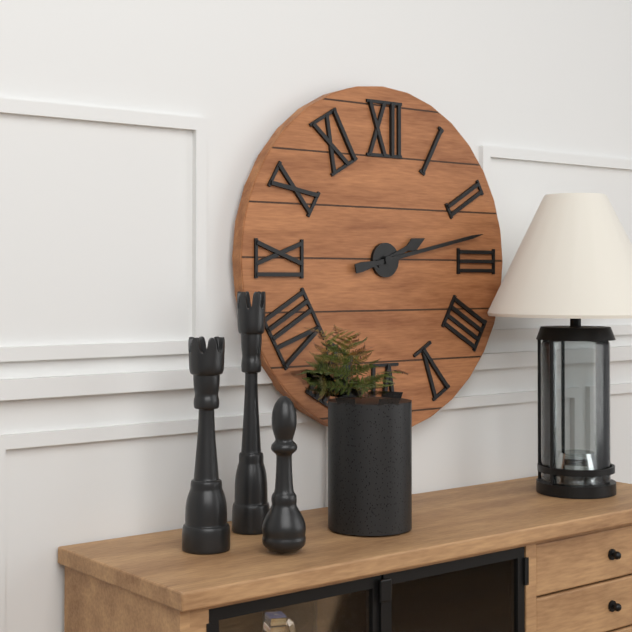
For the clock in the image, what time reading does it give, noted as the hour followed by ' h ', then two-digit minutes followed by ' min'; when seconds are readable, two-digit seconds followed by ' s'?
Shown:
2 h 13 min
